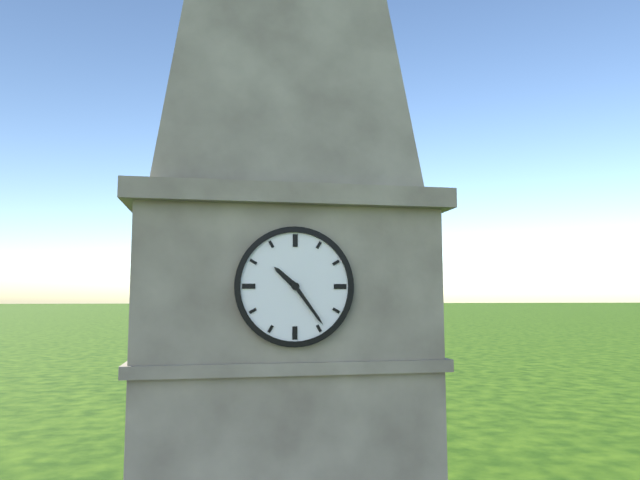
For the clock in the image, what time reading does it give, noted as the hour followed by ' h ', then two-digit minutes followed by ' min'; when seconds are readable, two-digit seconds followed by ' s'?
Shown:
10 h 24 min
